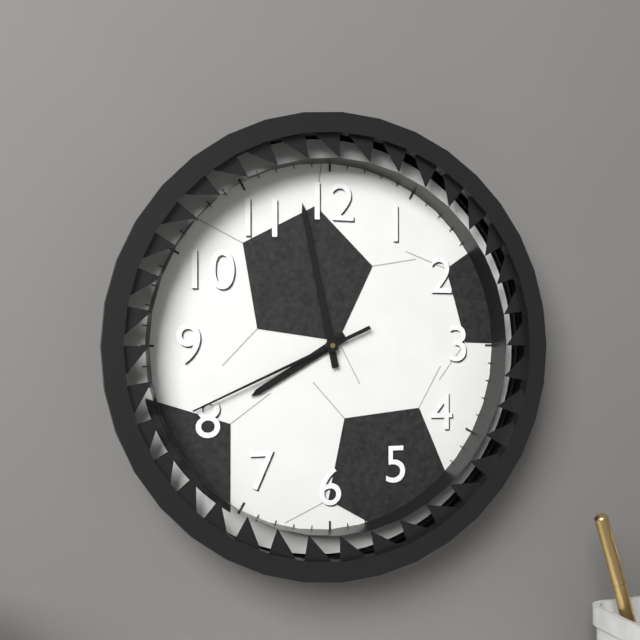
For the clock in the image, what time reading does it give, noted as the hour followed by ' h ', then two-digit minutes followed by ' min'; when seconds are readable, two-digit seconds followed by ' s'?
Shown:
7 h 58 min 41 s
